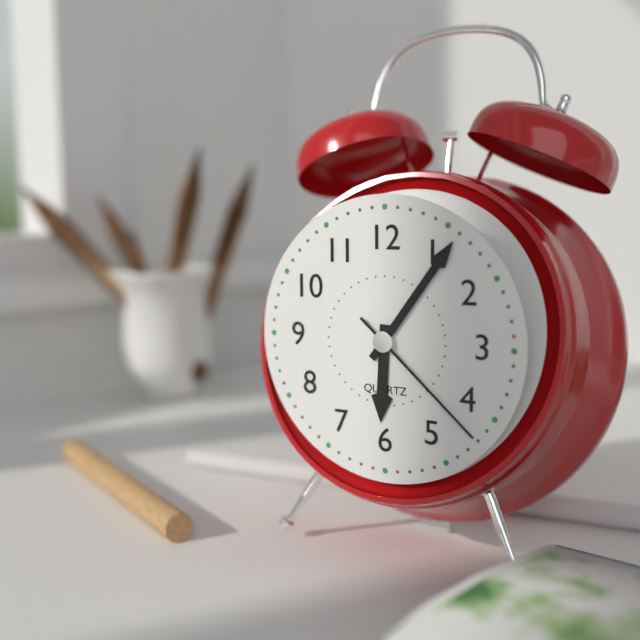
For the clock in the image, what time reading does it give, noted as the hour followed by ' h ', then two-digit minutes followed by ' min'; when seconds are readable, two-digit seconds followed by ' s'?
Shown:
6 h 06 min 22 s
